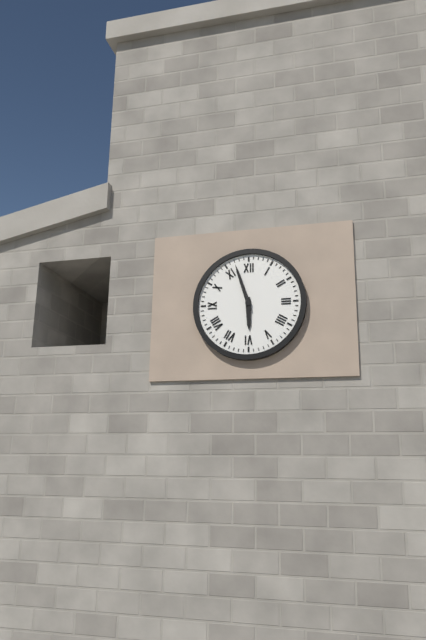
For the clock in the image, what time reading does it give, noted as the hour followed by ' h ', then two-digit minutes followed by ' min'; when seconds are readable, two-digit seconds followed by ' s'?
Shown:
5 h 57 min
